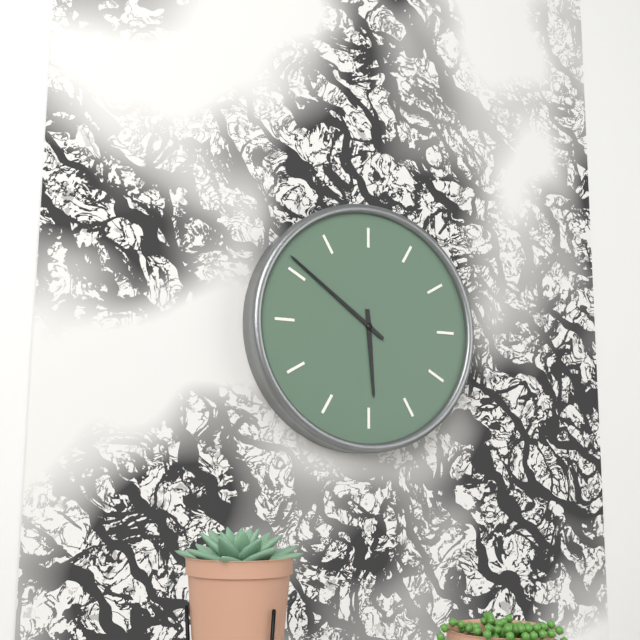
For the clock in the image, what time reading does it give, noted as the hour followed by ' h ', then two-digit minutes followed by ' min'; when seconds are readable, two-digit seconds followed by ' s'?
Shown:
5 h 51 min
